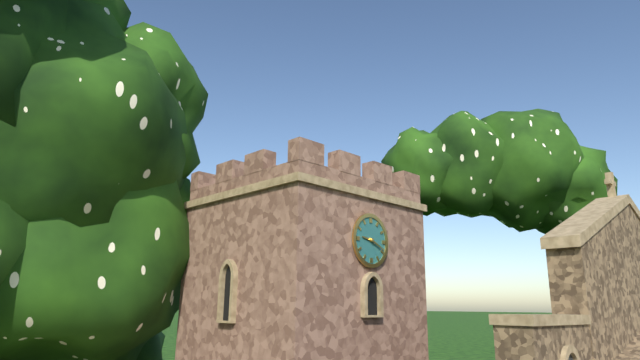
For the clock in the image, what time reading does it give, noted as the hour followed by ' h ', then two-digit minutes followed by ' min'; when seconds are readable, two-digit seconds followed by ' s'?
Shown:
9 h 19 min
